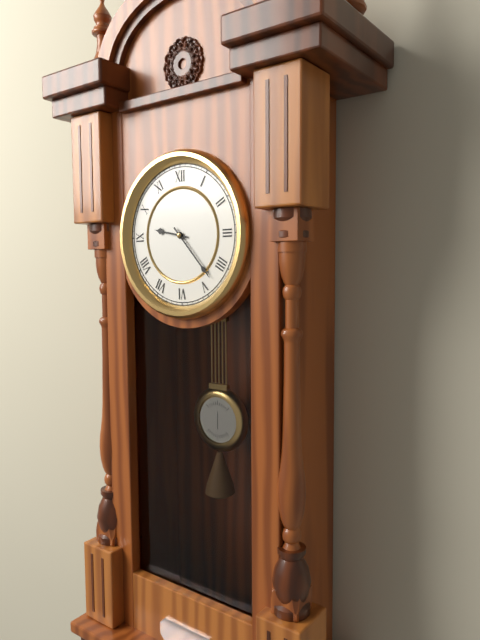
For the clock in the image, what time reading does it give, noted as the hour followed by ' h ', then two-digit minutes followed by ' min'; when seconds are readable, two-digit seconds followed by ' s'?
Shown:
9 h 23 min
